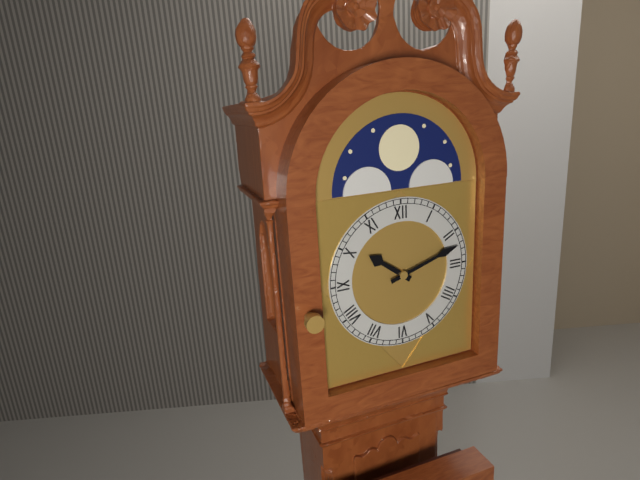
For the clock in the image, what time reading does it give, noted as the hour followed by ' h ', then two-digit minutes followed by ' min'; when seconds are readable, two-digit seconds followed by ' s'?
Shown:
10 h 12 min
